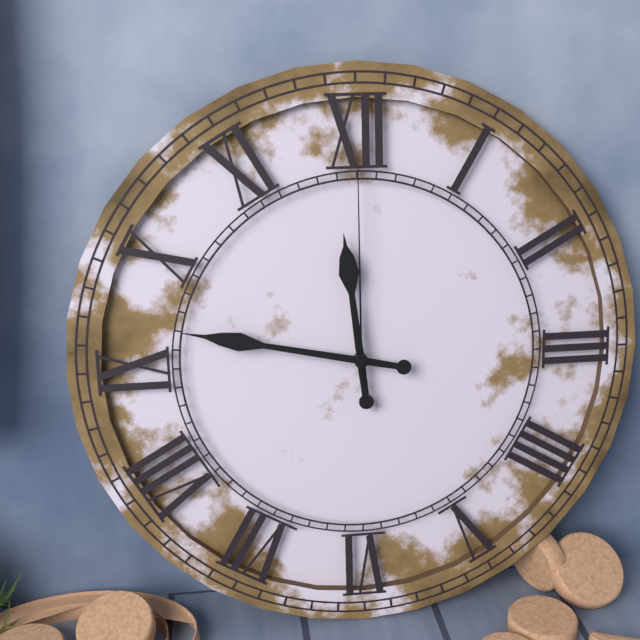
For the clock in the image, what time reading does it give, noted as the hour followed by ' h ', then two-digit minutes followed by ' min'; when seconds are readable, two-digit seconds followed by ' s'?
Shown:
11 h 47 min 00 s
